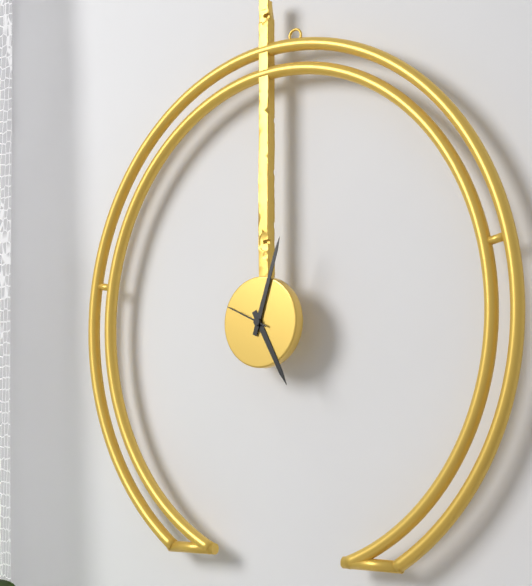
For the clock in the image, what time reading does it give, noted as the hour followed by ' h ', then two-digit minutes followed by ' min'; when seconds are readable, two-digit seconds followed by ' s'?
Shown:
5 h 03 min
